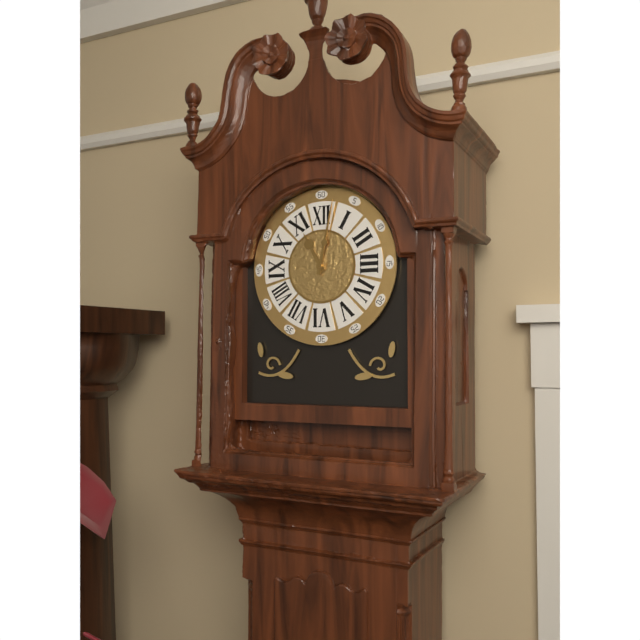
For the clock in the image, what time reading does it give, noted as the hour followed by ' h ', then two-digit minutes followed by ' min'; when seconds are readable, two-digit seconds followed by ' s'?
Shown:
11 h 02 min
